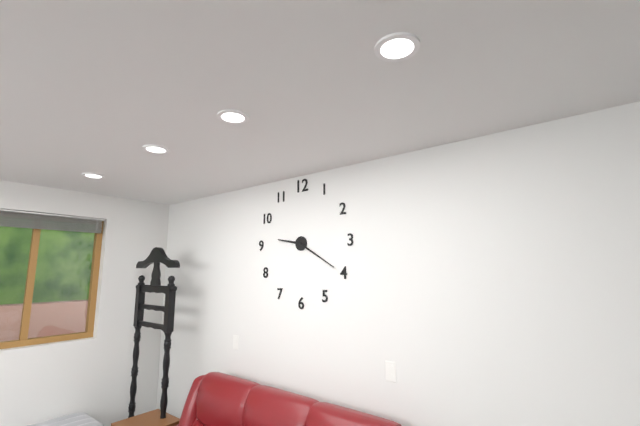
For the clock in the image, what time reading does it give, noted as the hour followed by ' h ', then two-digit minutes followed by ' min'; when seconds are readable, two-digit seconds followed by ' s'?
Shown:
9 h 20 min
